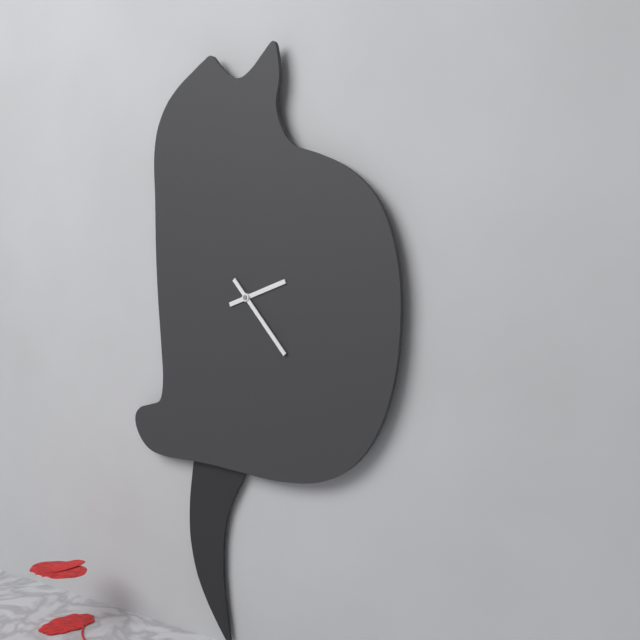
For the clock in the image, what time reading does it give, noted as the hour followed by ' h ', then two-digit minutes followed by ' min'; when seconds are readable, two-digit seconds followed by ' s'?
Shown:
2 h 23 min
